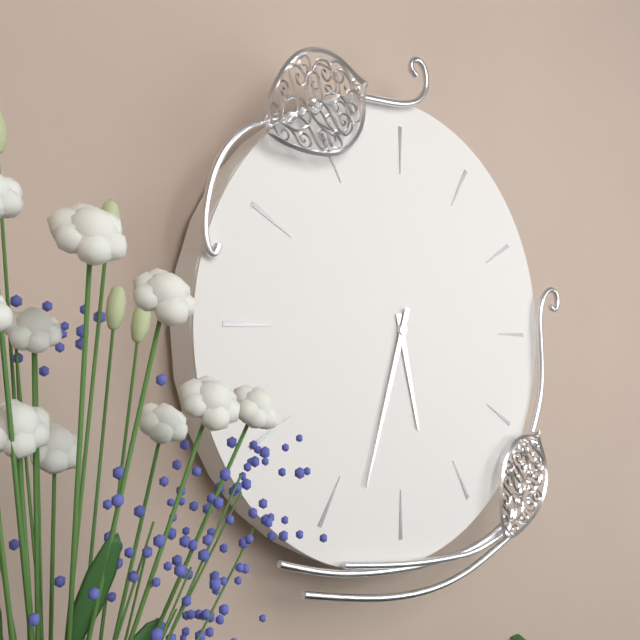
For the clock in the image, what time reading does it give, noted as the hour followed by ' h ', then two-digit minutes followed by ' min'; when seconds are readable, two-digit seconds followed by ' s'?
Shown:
5 h 33 min
